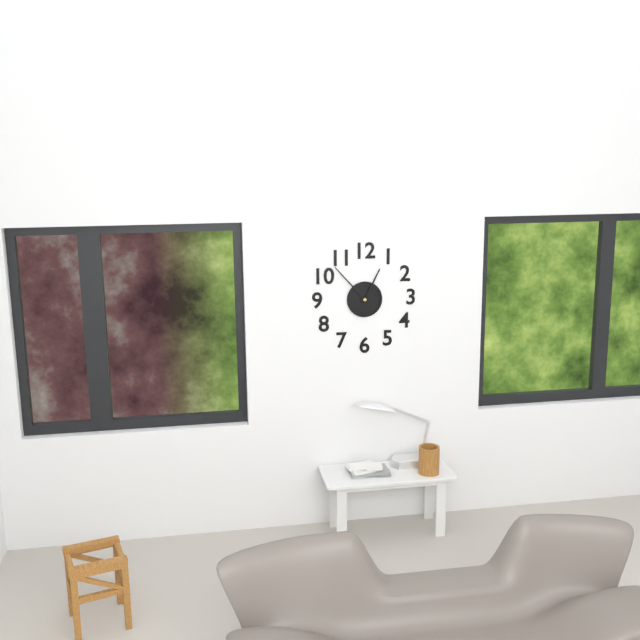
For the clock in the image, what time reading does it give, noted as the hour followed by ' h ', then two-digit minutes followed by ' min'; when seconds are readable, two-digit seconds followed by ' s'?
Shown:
12 h 53 min
